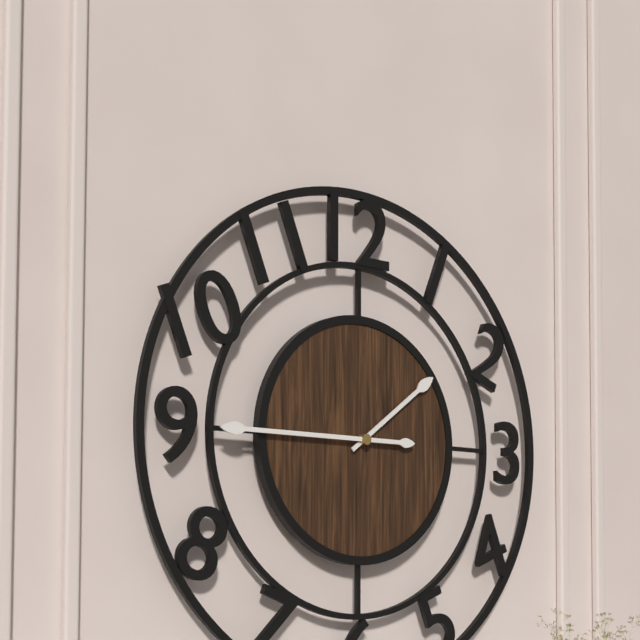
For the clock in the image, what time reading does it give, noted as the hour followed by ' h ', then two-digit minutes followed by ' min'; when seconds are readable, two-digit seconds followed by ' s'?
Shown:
1 h 45 min
